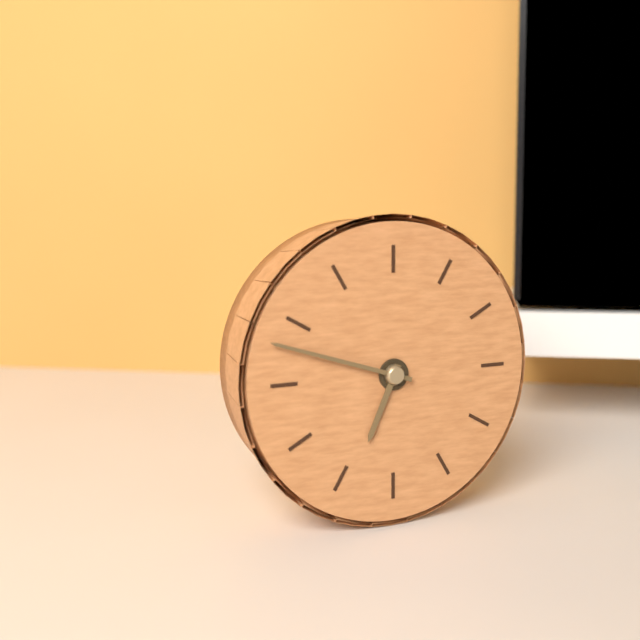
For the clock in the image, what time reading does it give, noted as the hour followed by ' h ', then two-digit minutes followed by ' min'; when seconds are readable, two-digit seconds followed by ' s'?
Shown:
6 h 48 min
